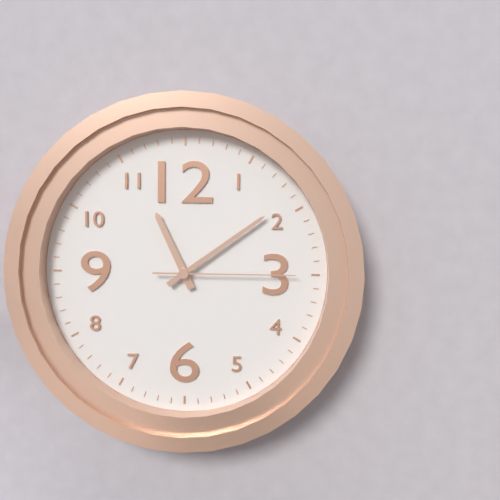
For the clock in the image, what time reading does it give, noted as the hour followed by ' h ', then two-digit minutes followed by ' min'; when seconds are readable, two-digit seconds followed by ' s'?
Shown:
11 h 09 min 15 s
